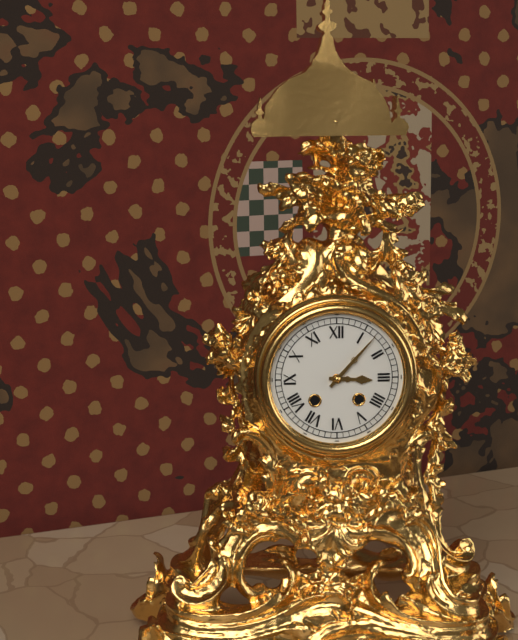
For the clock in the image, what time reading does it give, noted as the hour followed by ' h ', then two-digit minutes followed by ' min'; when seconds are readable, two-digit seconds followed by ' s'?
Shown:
3 h 07 min
